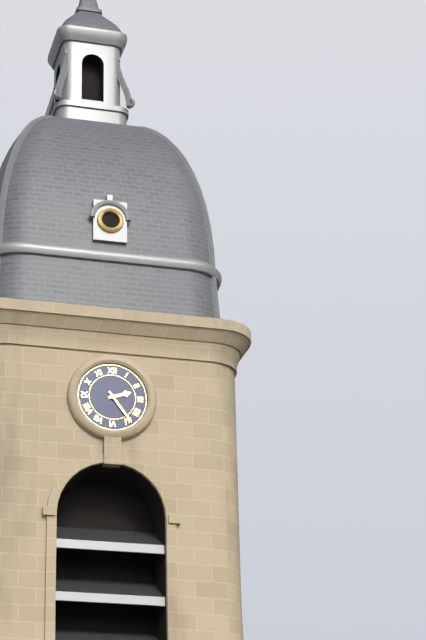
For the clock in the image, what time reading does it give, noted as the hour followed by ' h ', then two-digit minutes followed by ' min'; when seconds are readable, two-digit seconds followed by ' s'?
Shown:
2 h 24 min
